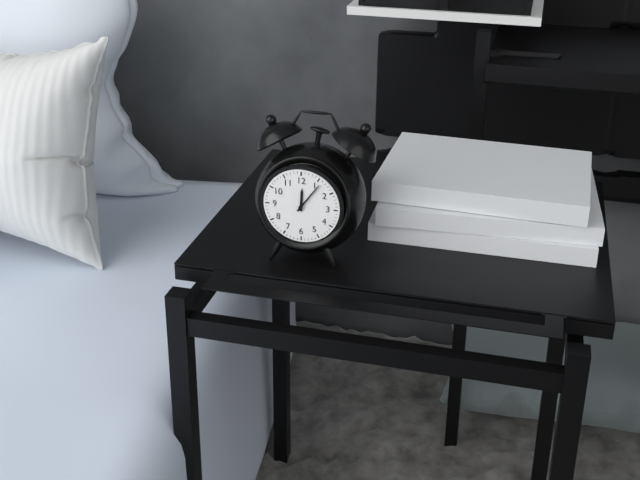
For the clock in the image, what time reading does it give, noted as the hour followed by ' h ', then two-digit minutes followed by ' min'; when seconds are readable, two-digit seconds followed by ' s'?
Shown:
12 h 06 min
